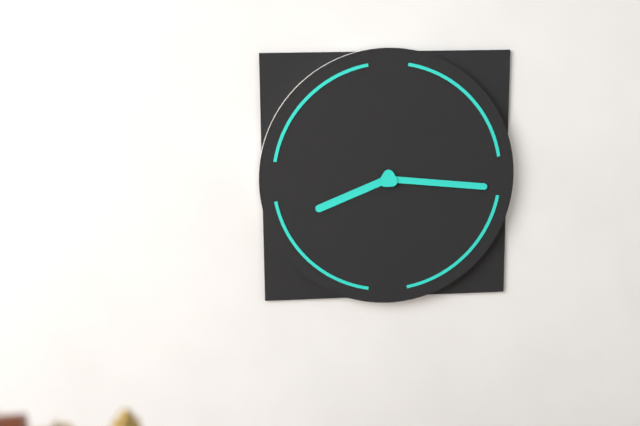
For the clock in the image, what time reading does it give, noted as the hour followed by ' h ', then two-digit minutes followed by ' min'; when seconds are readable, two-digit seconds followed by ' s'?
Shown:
8 h 16 min
